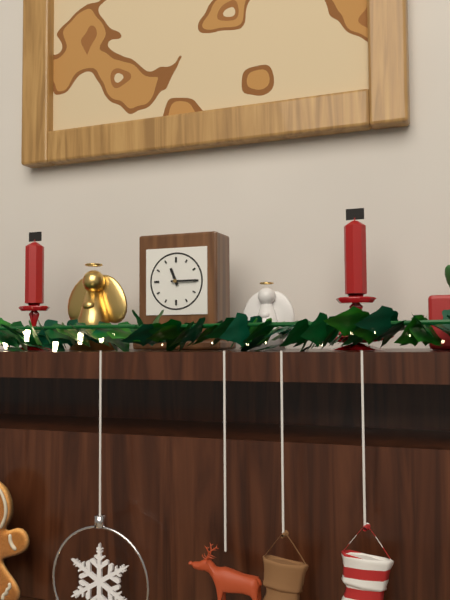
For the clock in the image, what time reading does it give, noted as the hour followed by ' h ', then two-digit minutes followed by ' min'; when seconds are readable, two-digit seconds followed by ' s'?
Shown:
11 h 15 min
